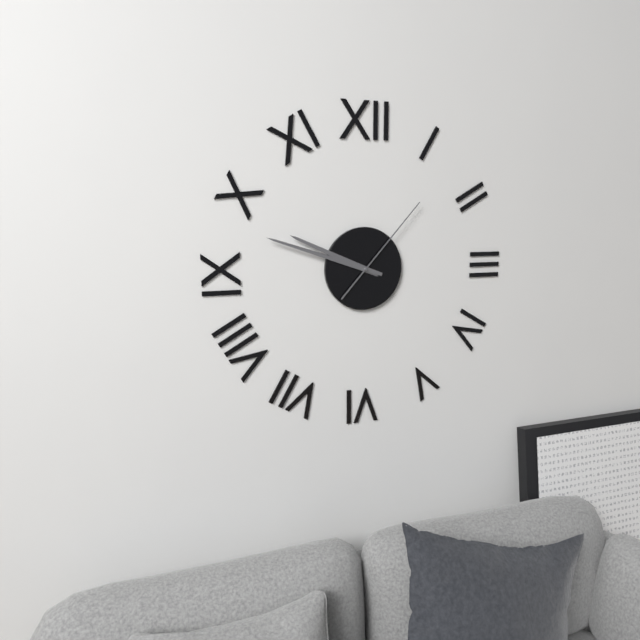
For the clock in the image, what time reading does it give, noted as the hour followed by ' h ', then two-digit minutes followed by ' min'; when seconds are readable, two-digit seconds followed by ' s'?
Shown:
9 h 48 min 07 s
